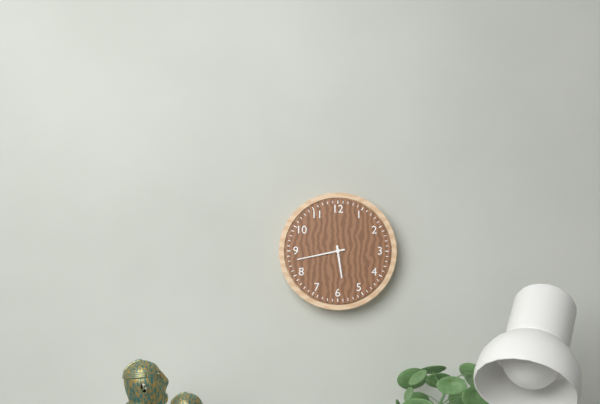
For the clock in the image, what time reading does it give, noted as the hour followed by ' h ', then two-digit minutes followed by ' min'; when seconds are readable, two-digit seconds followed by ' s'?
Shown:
5 h 43 min
